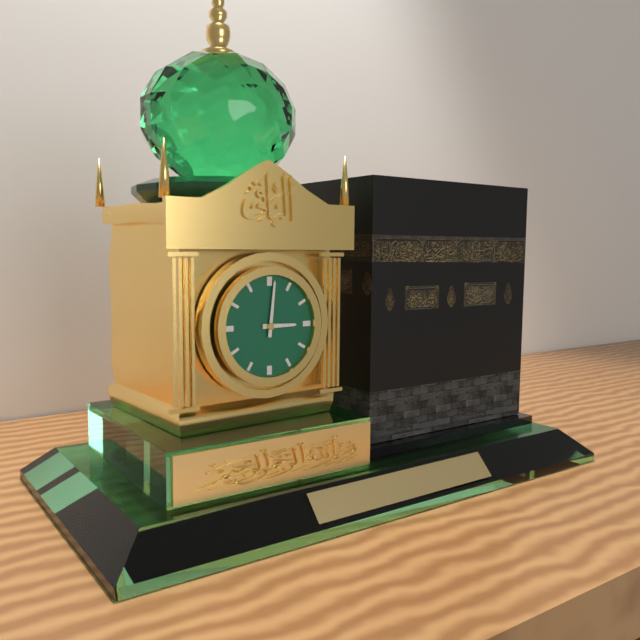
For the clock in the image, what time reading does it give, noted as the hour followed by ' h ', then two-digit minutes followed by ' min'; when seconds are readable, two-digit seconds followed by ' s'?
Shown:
3 h 01 min
